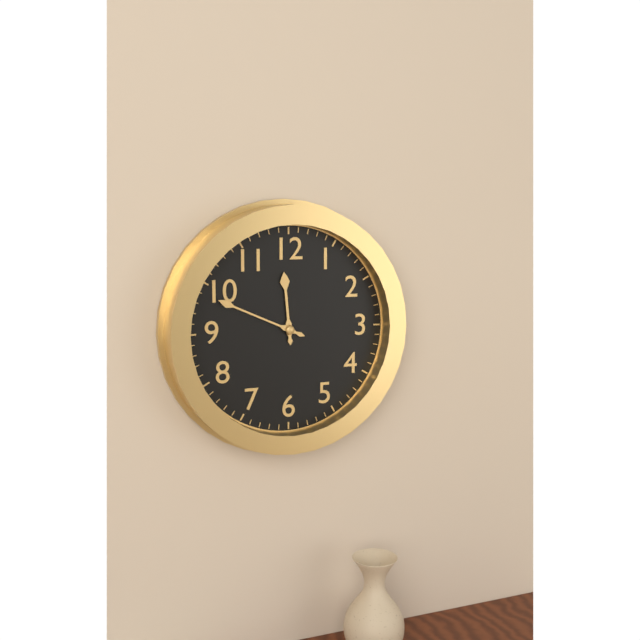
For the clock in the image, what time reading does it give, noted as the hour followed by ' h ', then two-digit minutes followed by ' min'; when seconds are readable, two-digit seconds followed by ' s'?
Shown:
11 h 49 min
